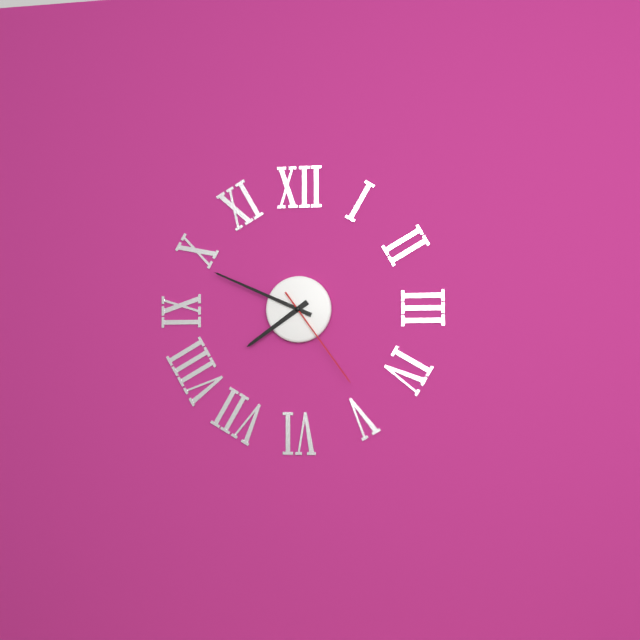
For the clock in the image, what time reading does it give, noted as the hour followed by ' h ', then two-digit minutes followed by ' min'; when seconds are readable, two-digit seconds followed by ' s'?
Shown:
7 h 49 min 24 s
